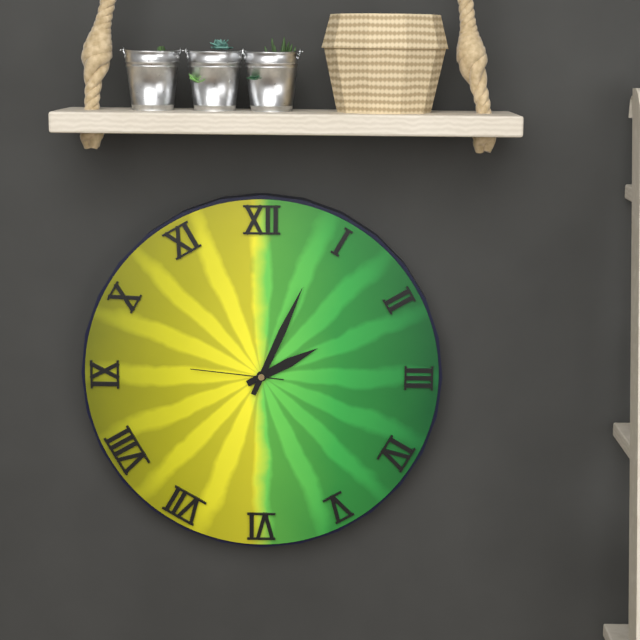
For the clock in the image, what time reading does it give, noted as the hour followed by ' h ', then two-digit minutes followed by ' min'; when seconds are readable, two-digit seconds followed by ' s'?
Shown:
2 h 04 min 46 s
